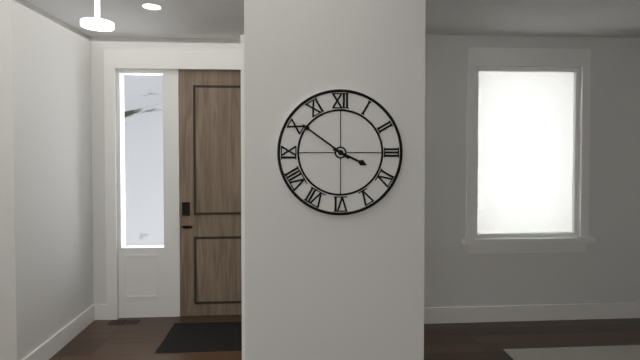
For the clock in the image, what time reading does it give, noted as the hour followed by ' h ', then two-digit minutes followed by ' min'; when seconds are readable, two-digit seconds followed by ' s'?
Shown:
3 h 51 min
